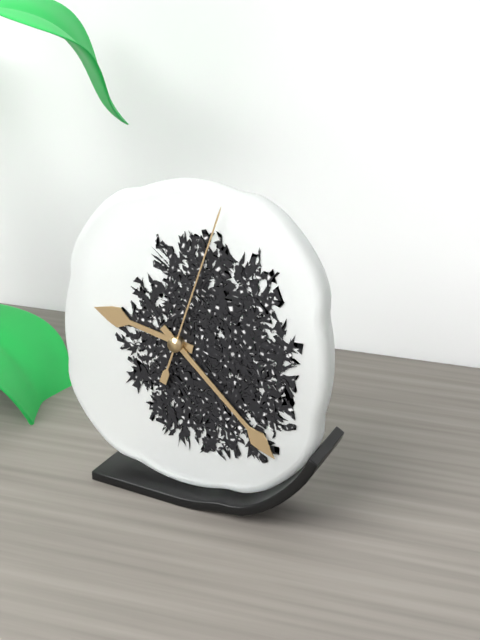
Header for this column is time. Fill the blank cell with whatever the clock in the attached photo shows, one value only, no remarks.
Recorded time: 9:22:03
